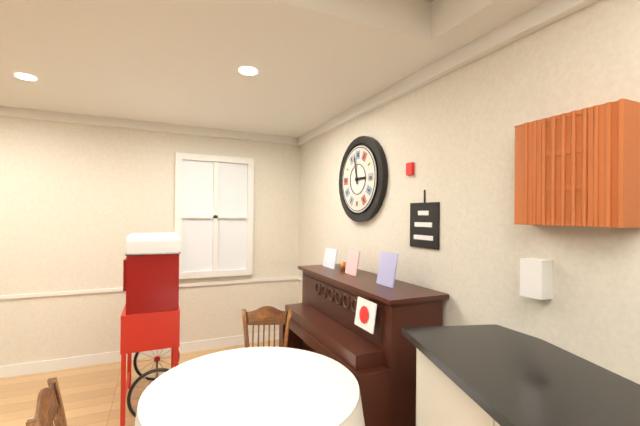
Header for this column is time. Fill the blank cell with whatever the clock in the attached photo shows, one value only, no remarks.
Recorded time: 2:58
